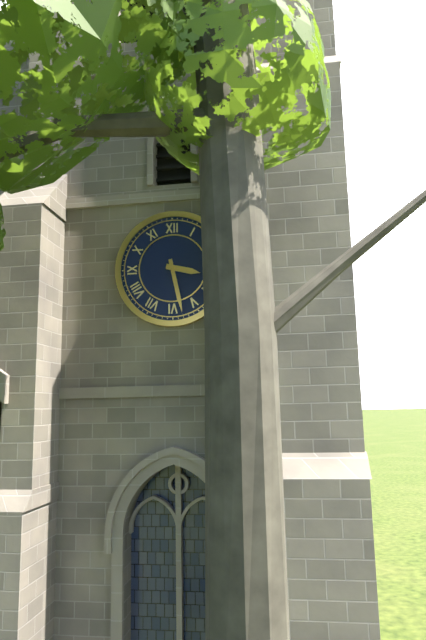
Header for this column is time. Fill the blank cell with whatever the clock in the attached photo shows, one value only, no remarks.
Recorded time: 3:28
